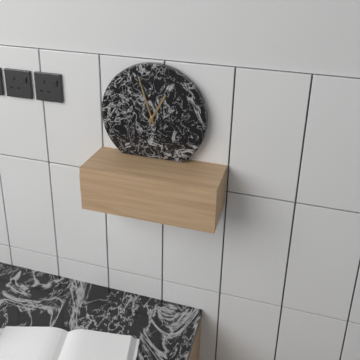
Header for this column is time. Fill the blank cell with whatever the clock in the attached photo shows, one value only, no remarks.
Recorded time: 12:57
